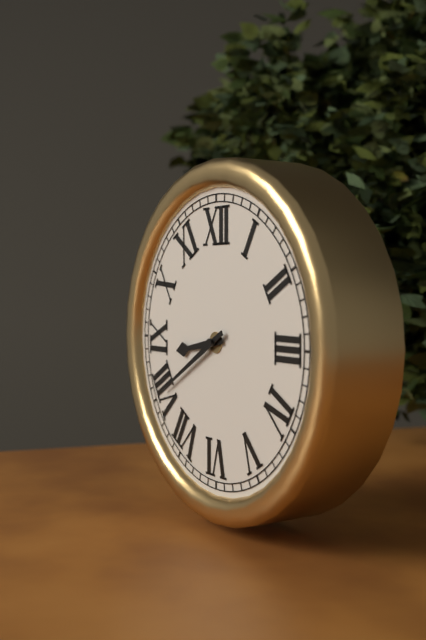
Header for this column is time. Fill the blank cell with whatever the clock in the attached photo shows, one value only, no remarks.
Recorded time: 8:40
